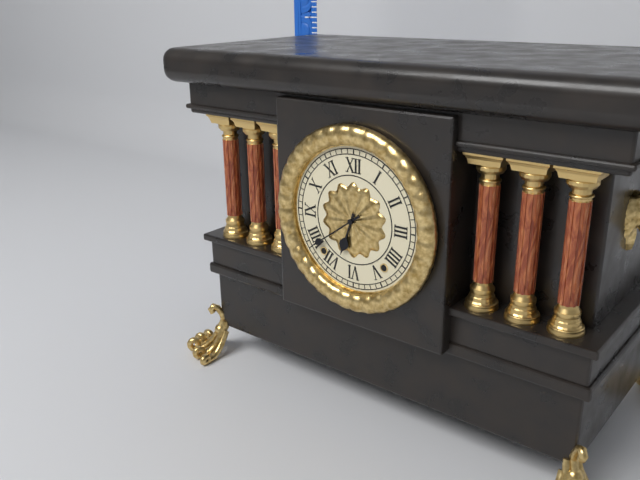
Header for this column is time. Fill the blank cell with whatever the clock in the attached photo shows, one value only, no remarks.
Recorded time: 6:39
